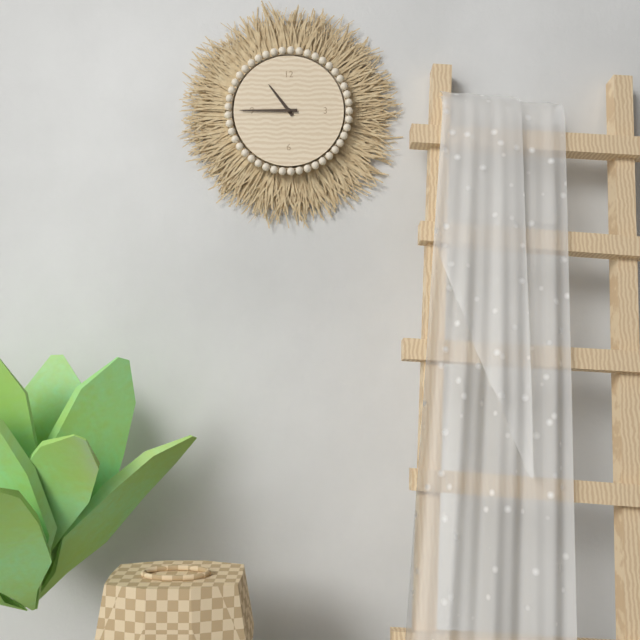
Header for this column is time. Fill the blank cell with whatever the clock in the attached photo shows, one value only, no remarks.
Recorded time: 10:45
